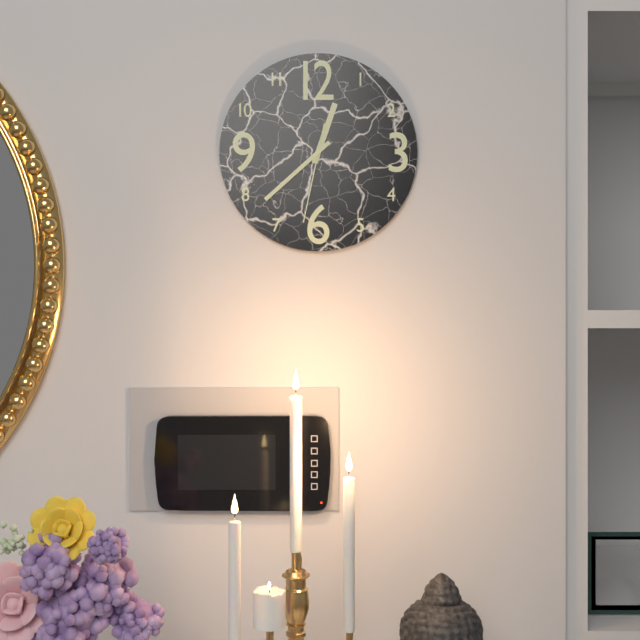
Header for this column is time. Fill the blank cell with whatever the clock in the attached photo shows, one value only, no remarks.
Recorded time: 12:38:32
